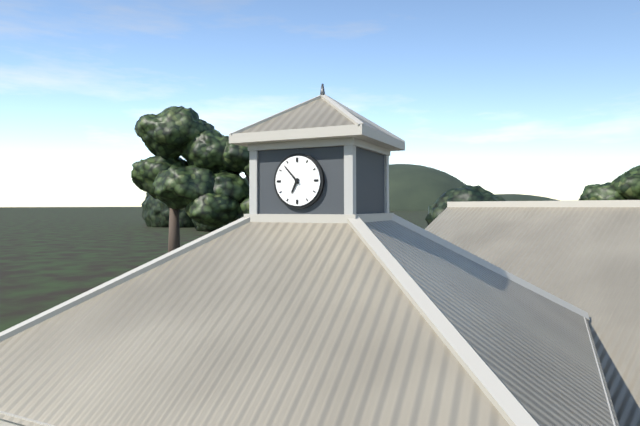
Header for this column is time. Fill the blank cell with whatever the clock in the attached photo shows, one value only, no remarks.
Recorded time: 6:53
